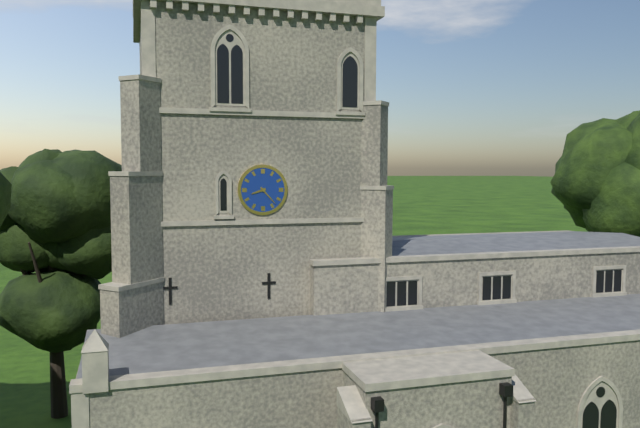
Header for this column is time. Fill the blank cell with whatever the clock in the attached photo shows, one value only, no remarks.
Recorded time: 8:23
